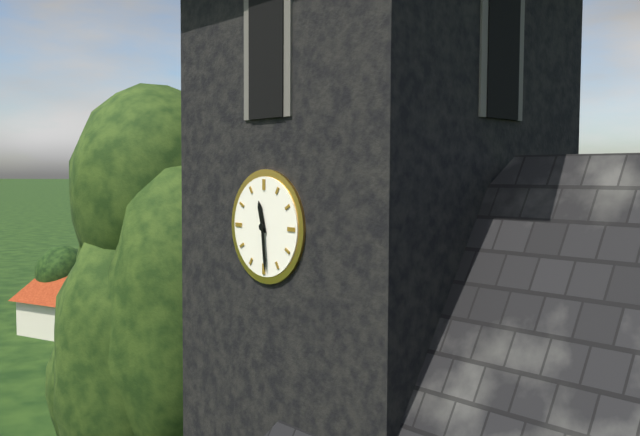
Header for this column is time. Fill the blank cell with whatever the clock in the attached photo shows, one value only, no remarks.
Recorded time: 11:29
